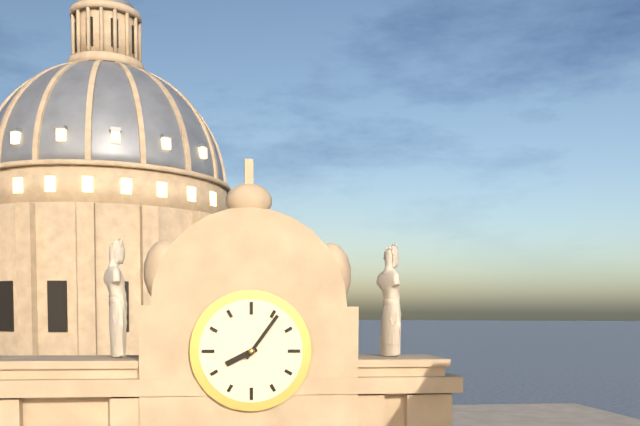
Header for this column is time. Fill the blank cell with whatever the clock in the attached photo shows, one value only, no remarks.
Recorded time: 8:06
